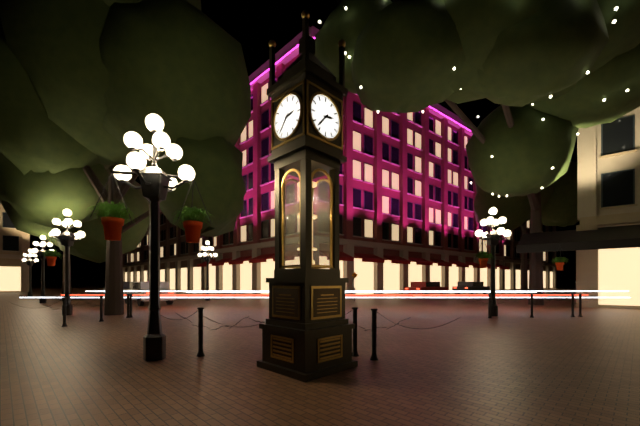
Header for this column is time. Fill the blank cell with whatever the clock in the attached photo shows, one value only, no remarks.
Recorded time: 2:37
